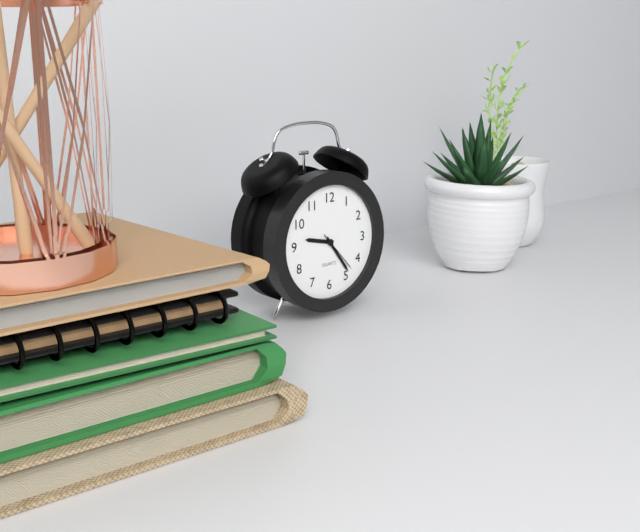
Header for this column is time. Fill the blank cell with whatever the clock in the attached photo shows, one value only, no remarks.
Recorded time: 9:24
